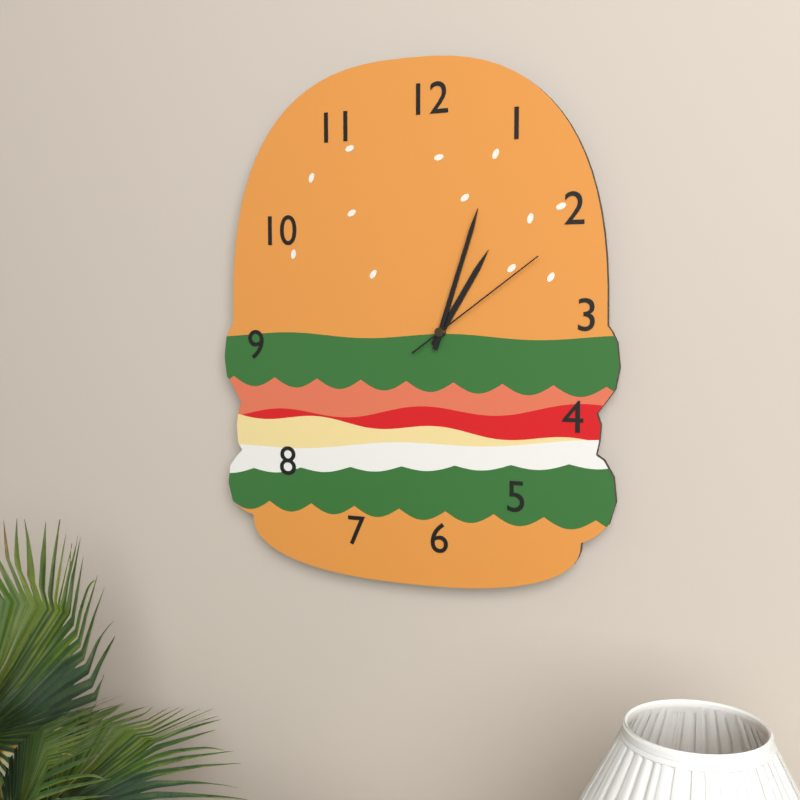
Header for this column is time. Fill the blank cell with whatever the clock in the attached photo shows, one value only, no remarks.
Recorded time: 1:03:09
